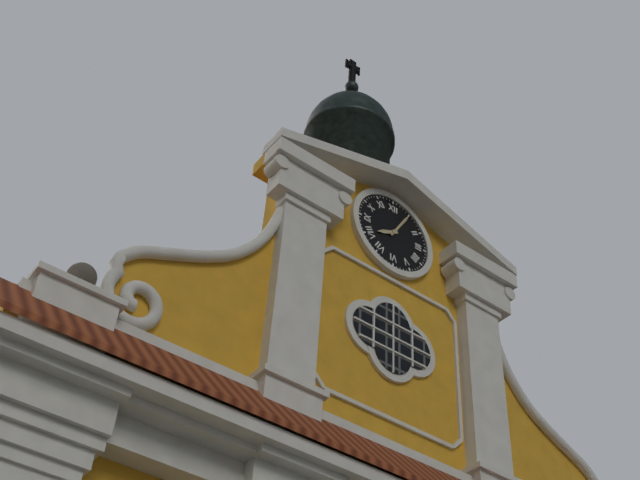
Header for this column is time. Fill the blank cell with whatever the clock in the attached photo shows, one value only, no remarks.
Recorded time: 8:05
